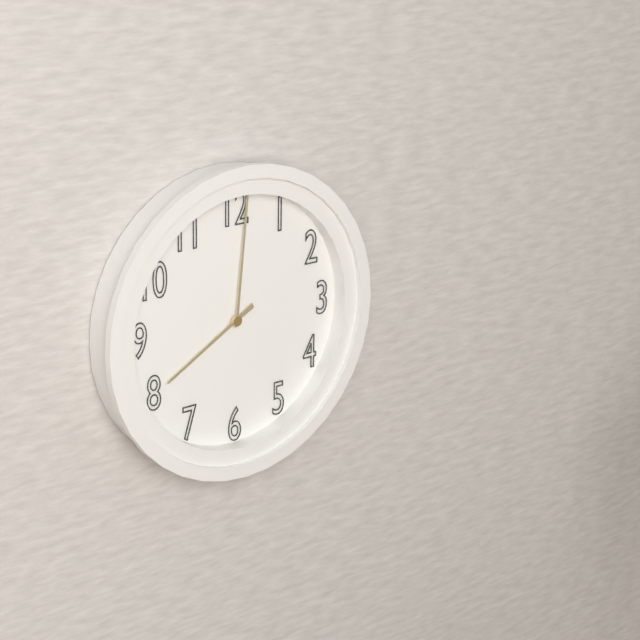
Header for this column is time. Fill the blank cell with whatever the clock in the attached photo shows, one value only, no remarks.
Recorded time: 8:01
